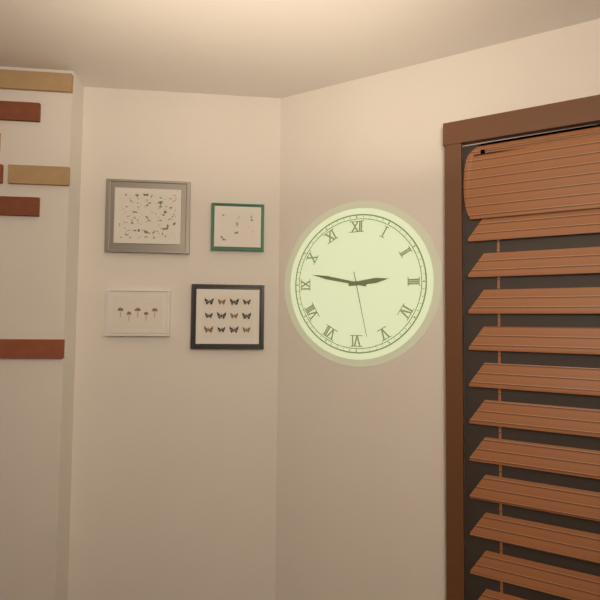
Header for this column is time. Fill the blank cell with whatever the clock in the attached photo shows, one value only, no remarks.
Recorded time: 2:47:28
